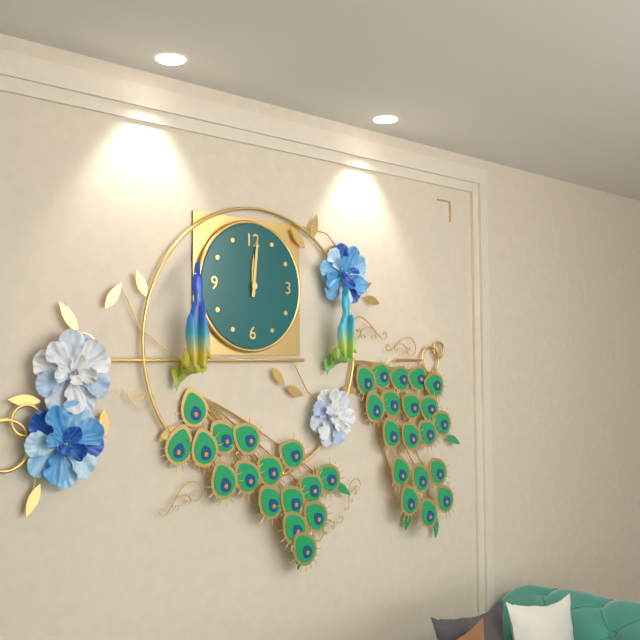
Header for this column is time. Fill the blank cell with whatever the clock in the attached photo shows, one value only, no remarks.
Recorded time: 12:01
